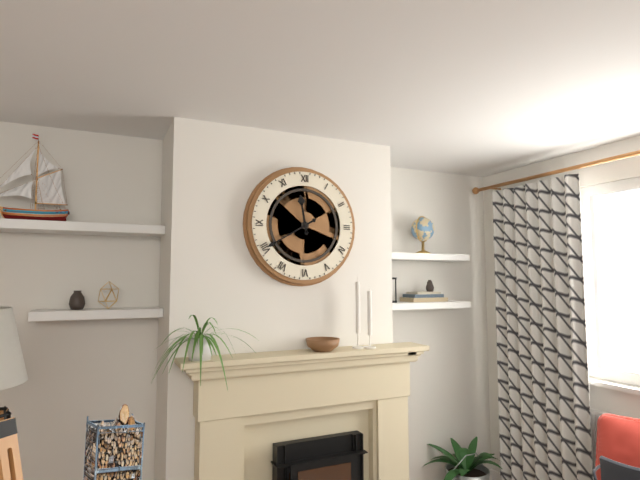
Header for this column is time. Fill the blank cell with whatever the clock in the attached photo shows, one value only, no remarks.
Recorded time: 11:40
